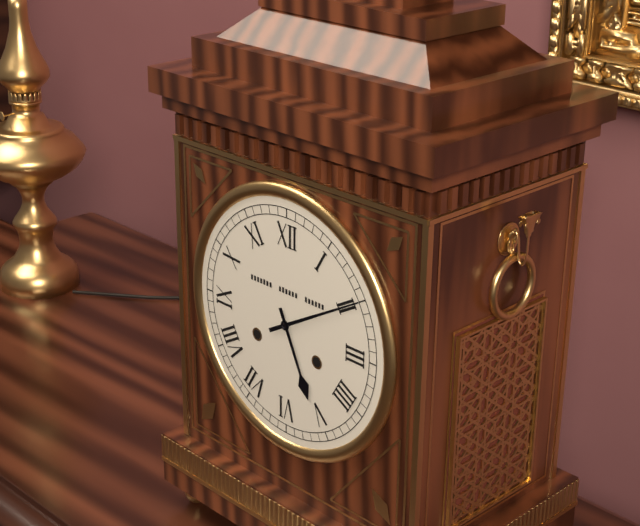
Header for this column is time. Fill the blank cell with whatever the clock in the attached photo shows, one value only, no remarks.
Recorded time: 5:10
